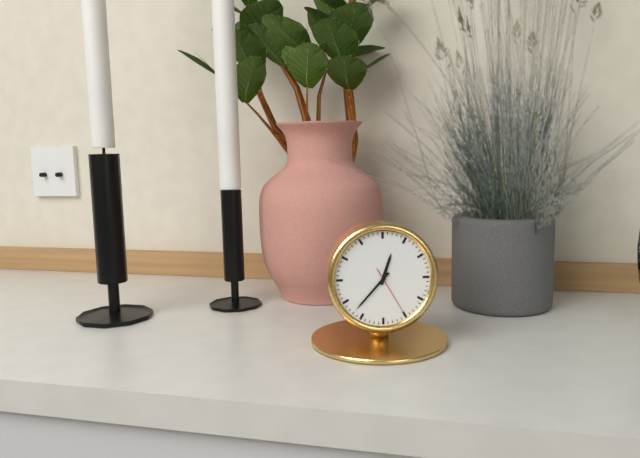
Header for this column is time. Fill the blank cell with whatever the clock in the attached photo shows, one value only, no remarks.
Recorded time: 12:37:25
